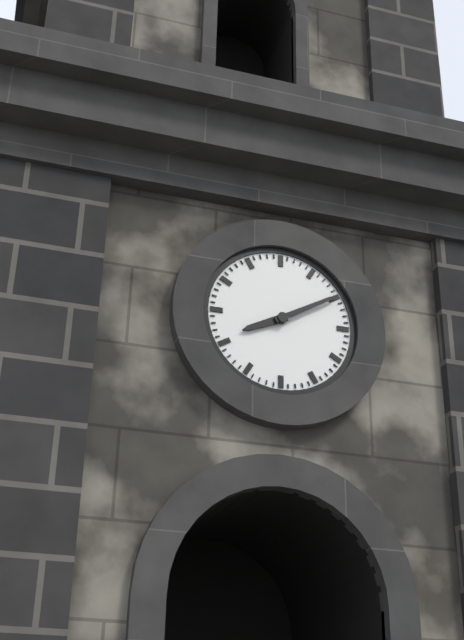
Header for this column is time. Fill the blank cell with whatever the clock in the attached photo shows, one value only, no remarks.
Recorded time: 8:10
